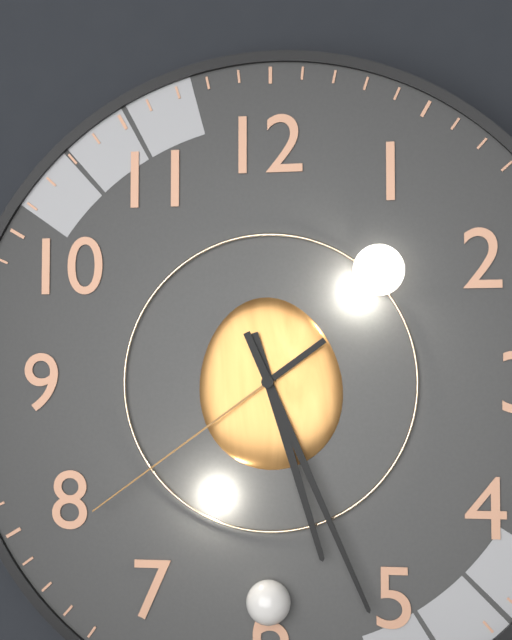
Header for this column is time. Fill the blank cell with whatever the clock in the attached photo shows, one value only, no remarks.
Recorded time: 5:26:39
